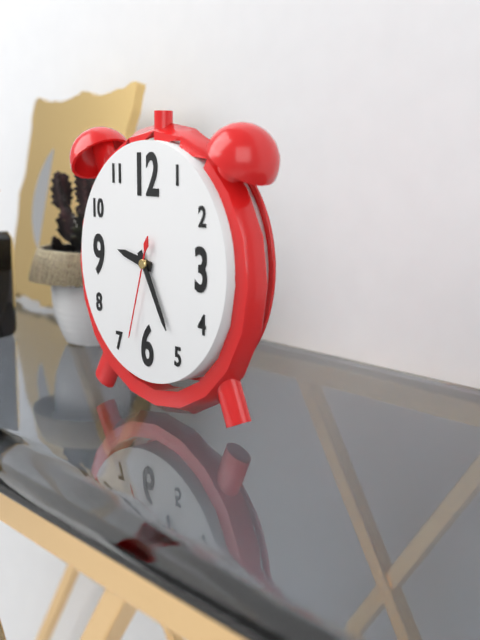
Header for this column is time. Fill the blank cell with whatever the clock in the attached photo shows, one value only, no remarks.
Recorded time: 9:25:33
